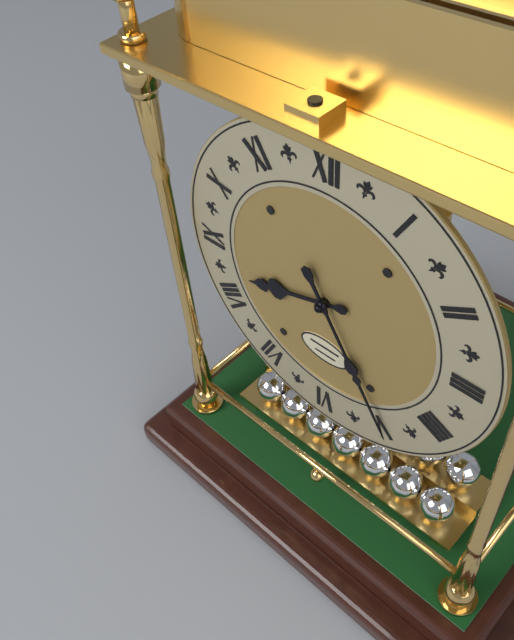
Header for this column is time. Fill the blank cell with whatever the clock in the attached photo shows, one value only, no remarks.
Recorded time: 8:25
